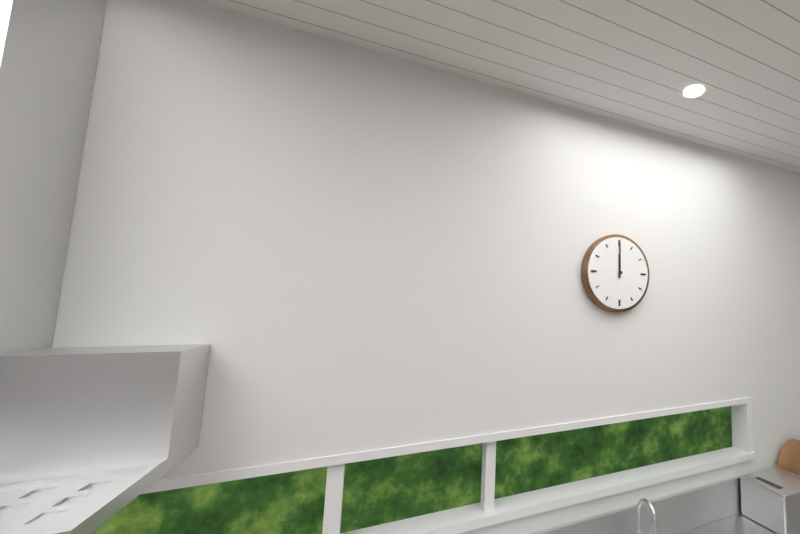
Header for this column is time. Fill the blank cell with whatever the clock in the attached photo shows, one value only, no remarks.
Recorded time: 12:00
